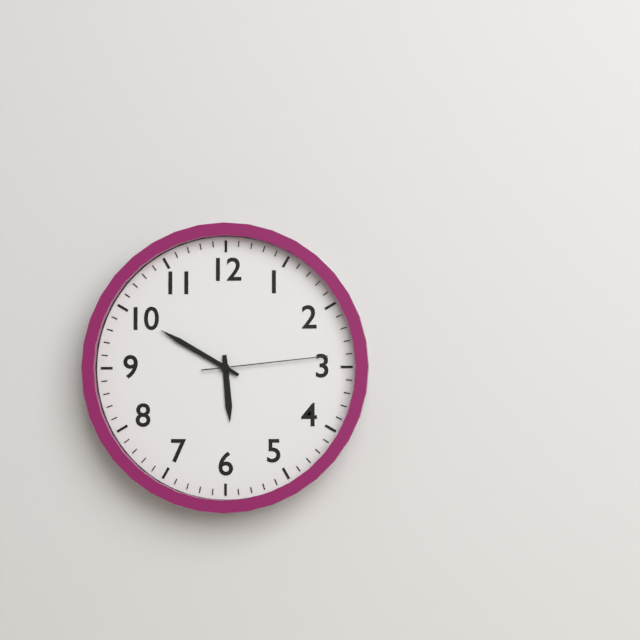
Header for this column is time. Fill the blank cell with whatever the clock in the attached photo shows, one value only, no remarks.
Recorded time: 5:50:14
